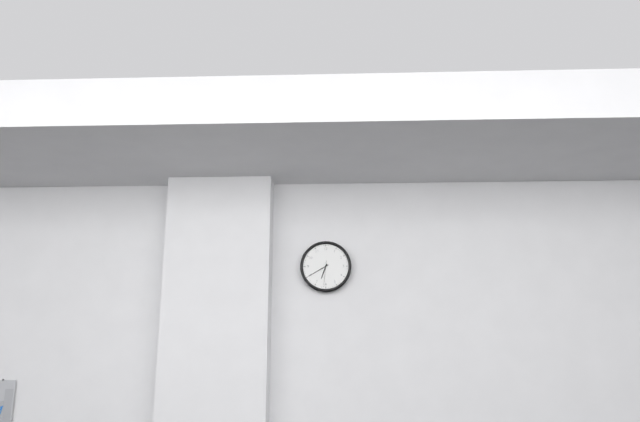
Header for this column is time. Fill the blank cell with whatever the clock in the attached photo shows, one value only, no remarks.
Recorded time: 6:40
